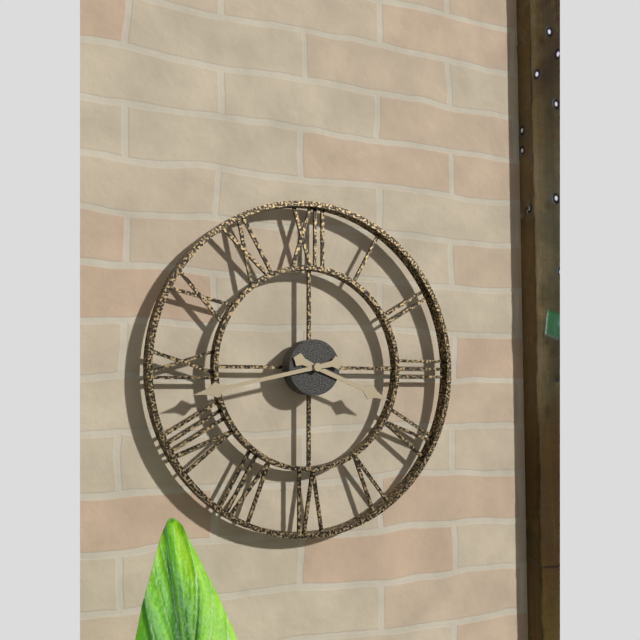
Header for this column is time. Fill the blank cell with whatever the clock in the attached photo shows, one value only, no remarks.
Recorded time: 3:43
